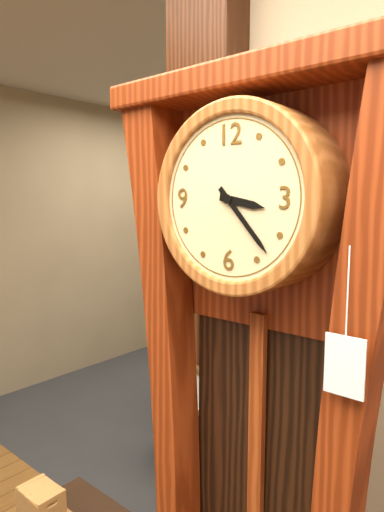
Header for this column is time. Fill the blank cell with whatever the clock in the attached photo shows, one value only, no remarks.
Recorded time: 3:23
